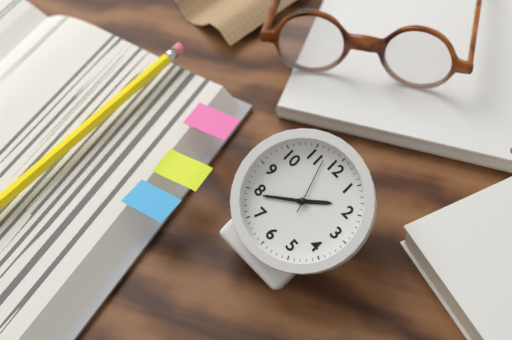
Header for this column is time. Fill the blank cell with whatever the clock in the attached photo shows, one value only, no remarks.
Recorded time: 1:39:57
